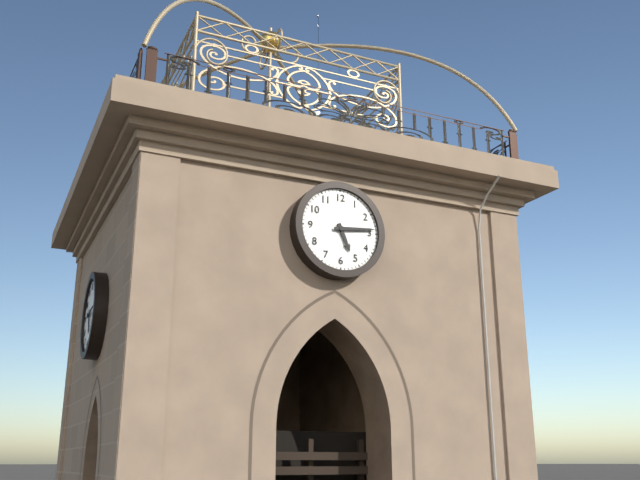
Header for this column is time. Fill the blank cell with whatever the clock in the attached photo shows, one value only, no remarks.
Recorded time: 5:14
